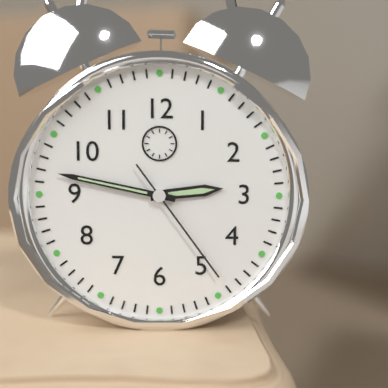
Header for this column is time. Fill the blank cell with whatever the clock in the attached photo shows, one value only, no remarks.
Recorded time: 2:47:24
